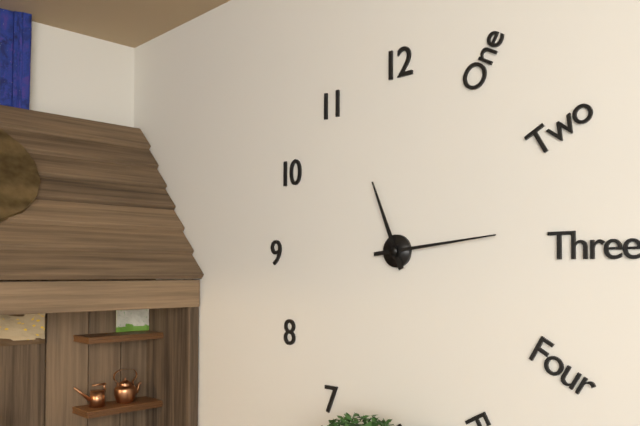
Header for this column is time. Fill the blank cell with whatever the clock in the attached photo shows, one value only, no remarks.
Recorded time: 11:14
